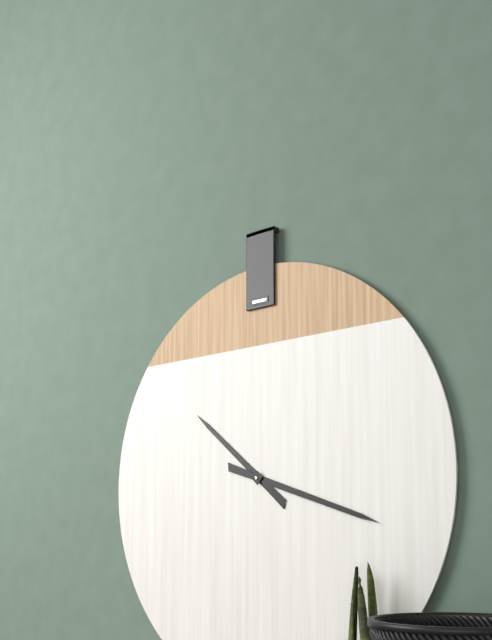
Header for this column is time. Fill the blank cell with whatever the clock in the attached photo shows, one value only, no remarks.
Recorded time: 10:18
